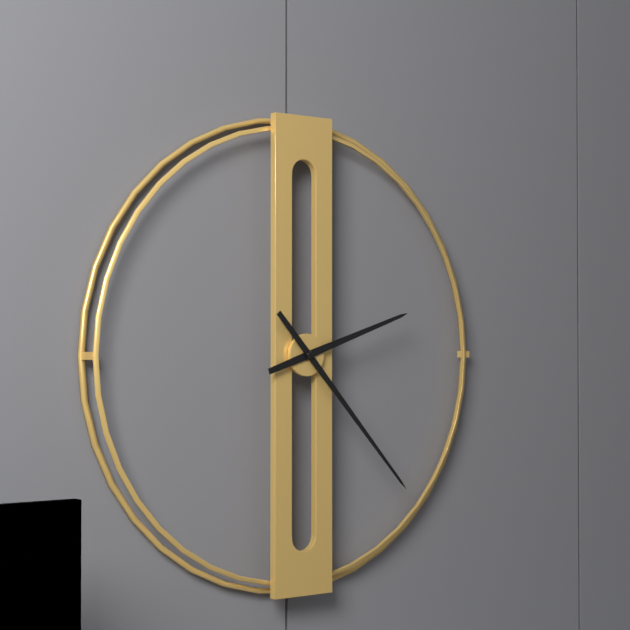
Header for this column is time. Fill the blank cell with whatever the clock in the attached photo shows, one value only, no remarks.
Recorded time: 2:23
